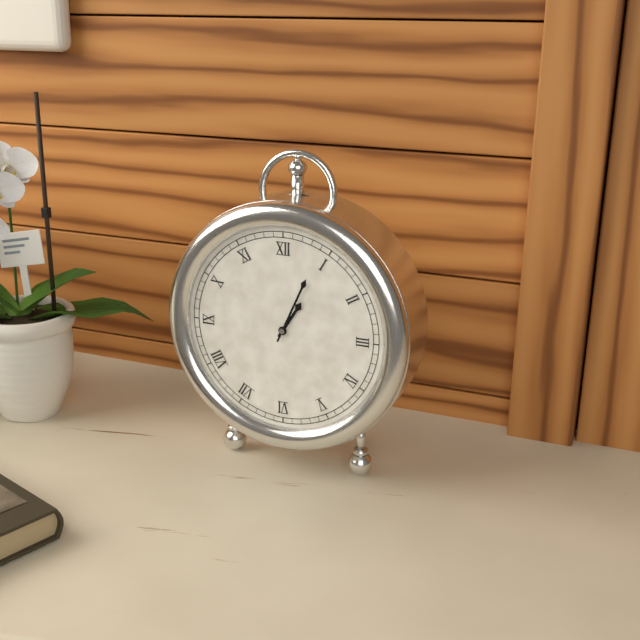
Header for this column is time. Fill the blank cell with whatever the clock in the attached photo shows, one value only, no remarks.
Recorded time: 1:04
